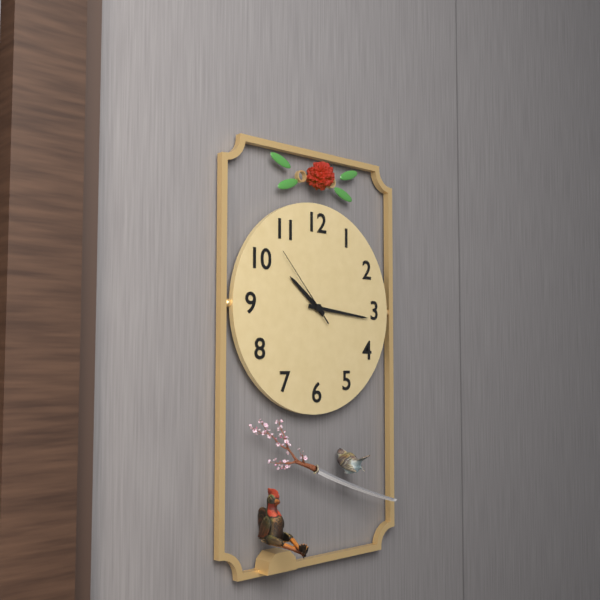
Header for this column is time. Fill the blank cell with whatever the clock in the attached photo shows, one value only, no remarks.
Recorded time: 10:16:53
